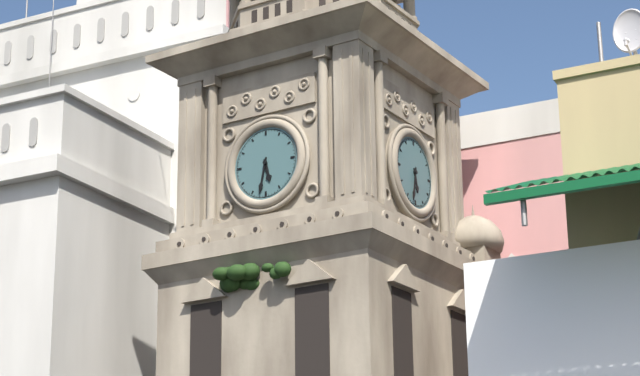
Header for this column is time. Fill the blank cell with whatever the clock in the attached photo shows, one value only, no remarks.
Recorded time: 5:32
